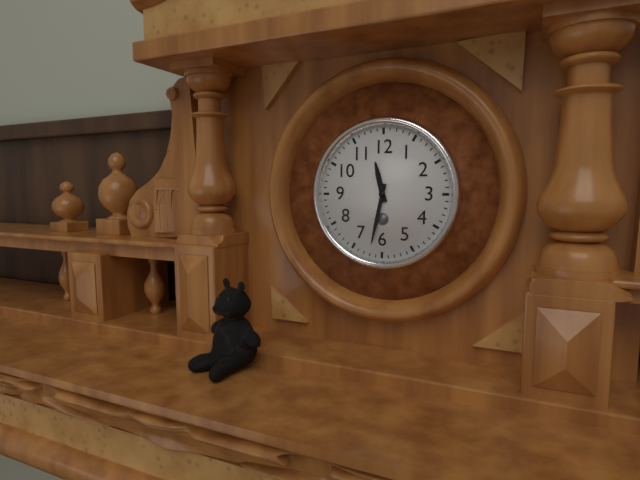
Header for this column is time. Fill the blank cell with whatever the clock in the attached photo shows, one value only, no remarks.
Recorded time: 11:32
